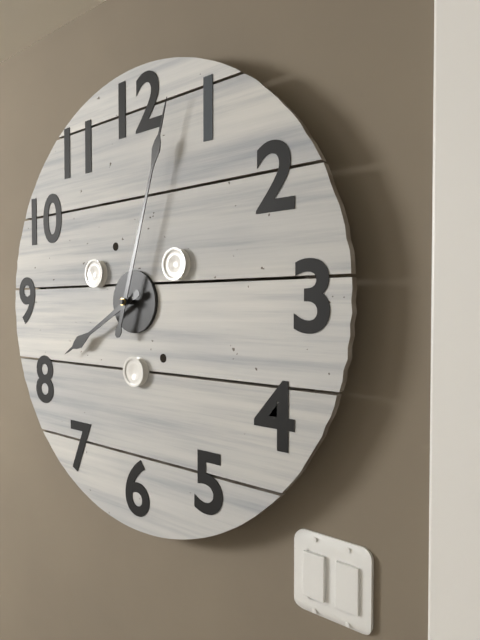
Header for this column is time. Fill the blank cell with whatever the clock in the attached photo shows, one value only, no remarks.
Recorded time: 8:03
